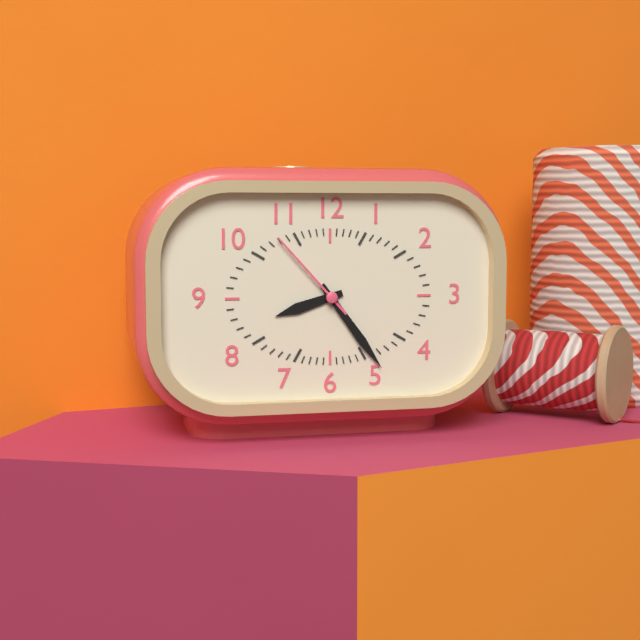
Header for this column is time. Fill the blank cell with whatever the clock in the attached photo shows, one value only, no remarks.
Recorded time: 8:24:53
